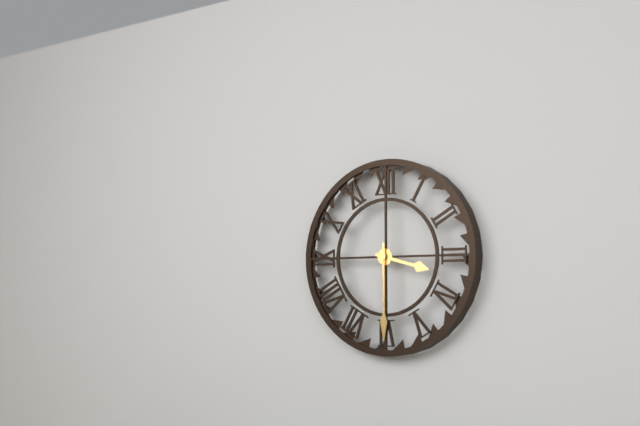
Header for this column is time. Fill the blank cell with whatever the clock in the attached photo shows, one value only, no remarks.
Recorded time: 3:30
